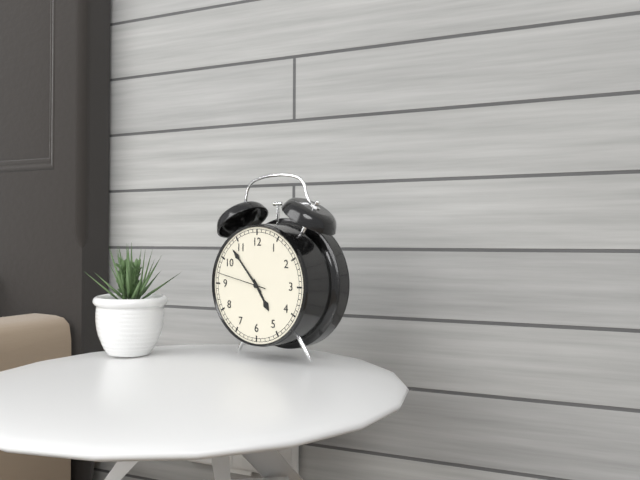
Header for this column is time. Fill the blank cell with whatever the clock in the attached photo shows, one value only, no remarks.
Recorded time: 4:53:47
